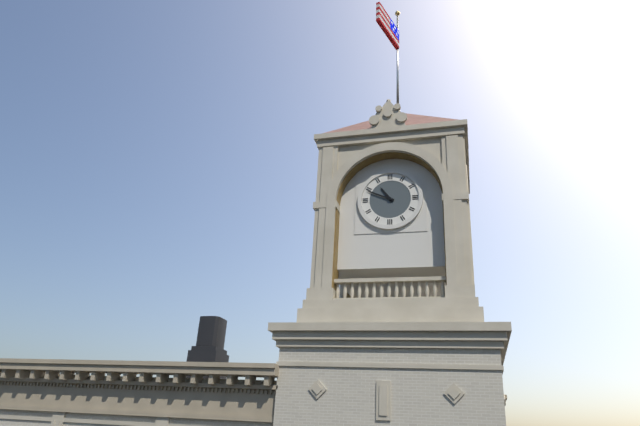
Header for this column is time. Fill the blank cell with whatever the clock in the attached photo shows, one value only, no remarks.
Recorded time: 10:49
